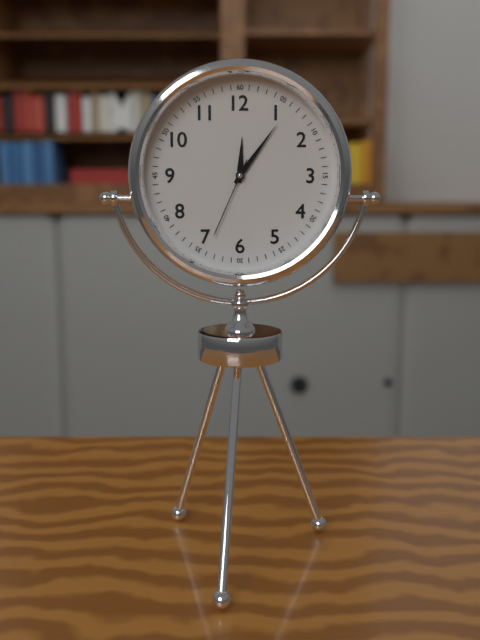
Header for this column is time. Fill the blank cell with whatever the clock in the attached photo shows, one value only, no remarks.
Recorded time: 12:06:34
